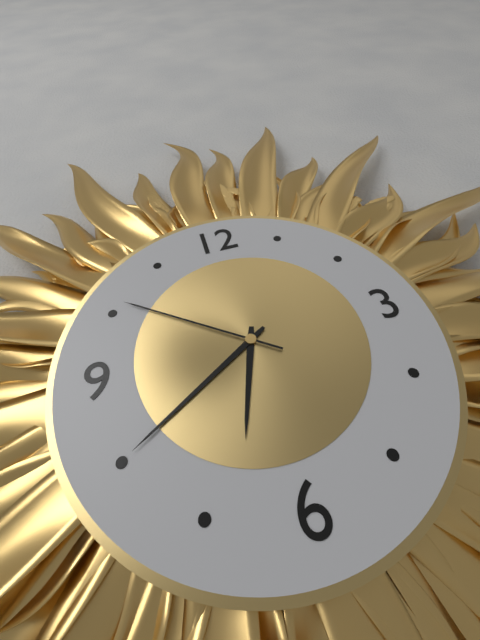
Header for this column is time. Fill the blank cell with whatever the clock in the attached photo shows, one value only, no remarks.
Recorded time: 6:40:51
